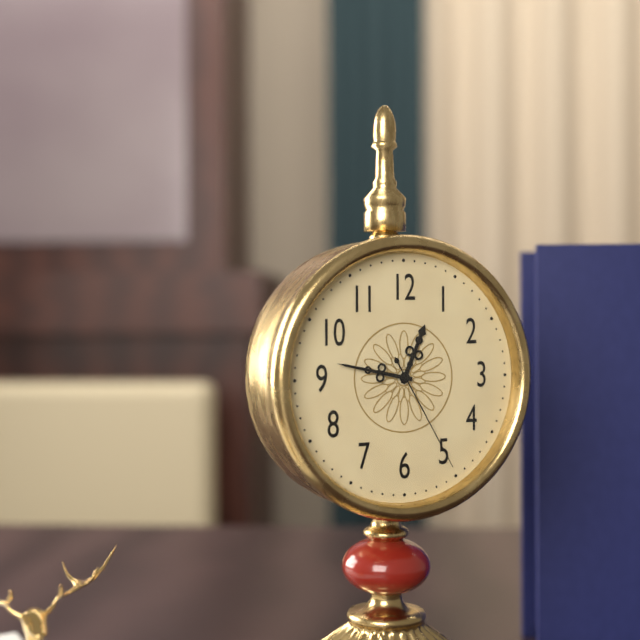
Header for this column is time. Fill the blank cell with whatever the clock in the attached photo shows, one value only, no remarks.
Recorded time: 12:47:25
